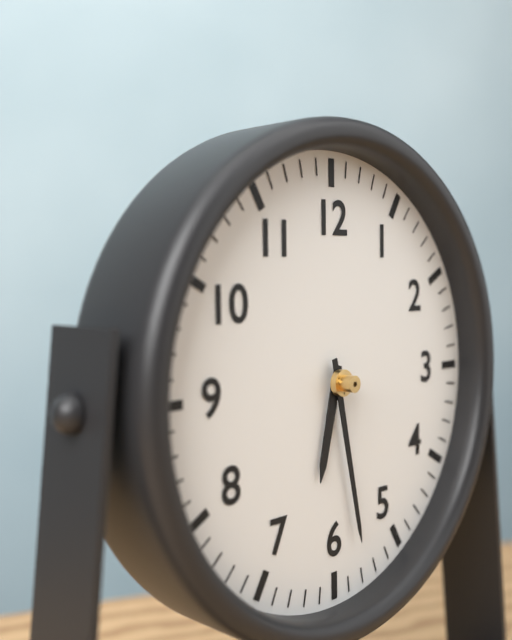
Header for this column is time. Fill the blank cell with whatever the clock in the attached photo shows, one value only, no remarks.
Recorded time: 6:28
